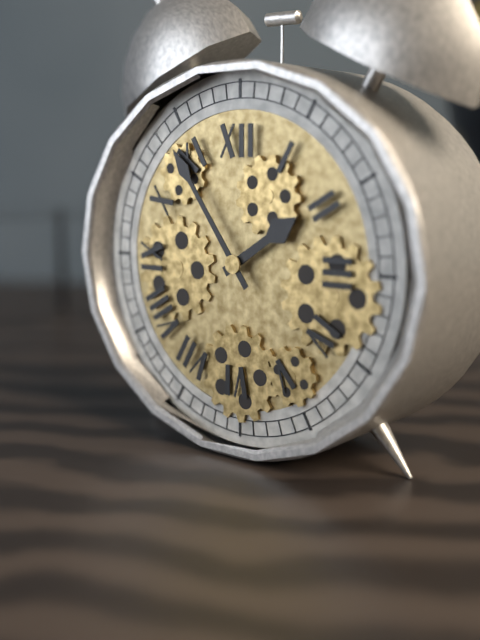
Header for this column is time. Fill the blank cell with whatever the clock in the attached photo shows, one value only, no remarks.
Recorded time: 1:54
